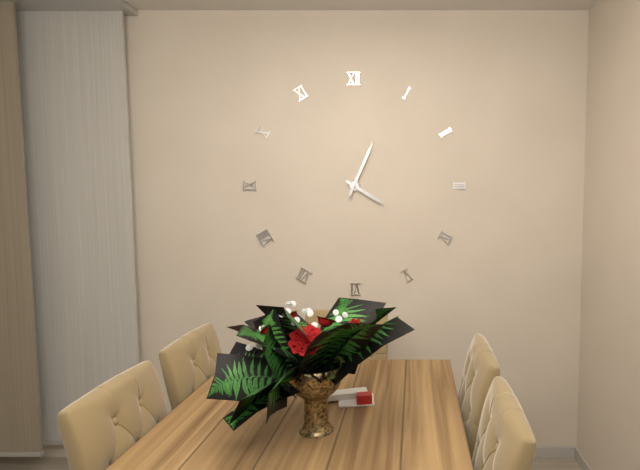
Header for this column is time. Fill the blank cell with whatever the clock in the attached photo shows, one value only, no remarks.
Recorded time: 4:04
